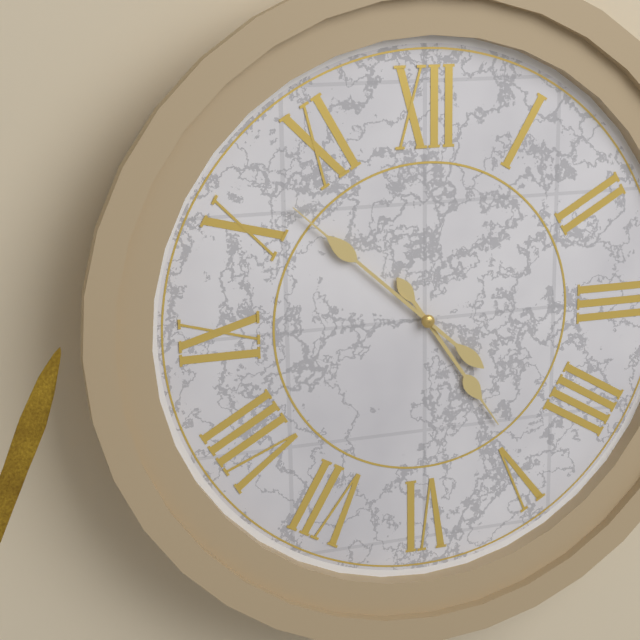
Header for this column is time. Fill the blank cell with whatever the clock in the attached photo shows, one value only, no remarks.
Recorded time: 4:52
